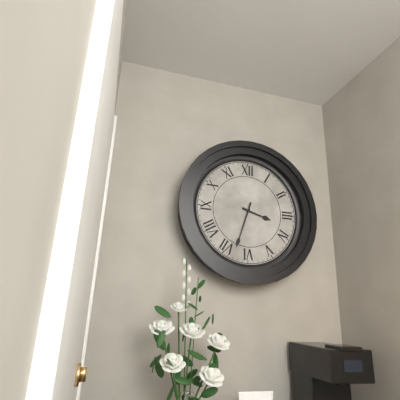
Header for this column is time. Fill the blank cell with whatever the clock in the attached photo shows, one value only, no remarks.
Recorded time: 3:33
